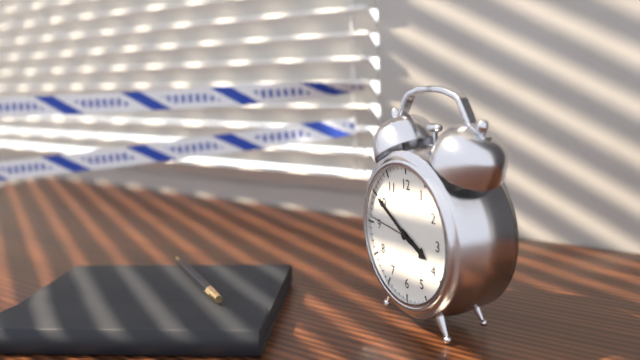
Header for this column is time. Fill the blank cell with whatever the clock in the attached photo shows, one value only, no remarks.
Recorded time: 3:50
